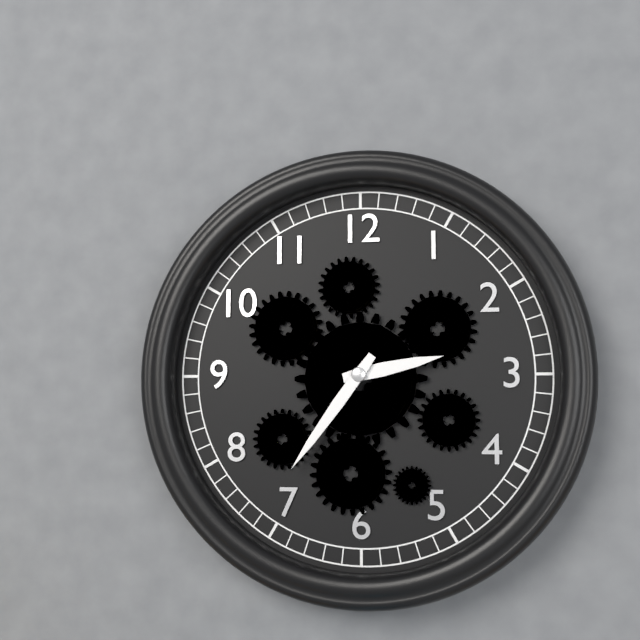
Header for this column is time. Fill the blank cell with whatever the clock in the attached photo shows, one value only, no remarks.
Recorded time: 2:36
